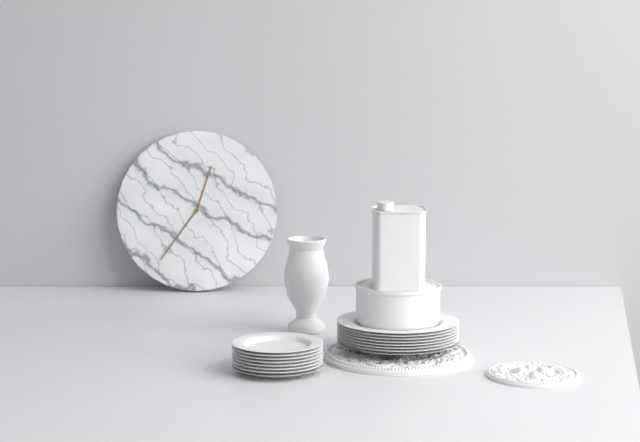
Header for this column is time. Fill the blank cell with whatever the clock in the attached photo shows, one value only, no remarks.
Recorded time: 12:36
